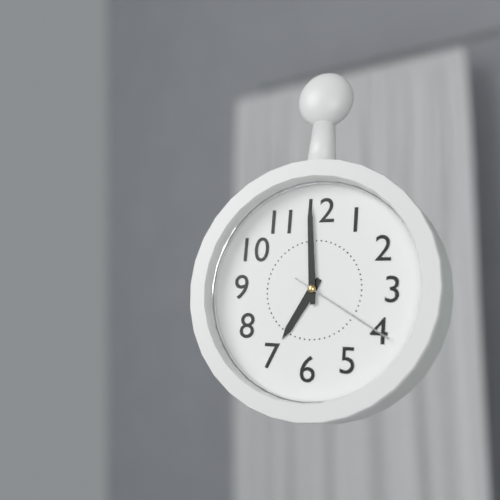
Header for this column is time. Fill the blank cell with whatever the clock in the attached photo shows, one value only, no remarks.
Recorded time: 6:59:20
